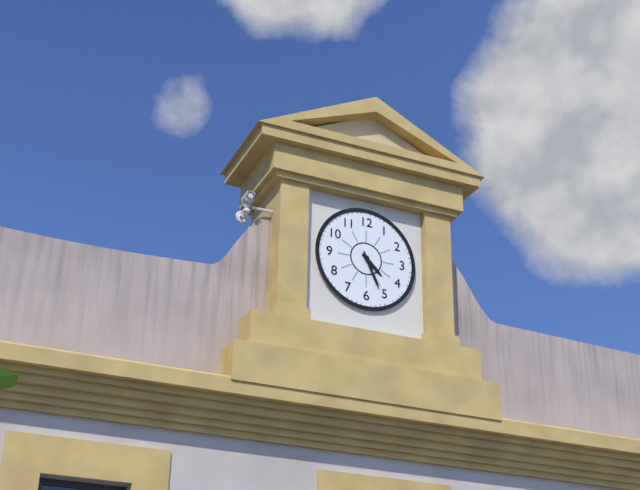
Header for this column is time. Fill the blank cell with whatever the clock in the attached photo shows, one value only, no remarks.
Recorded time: 4:26
